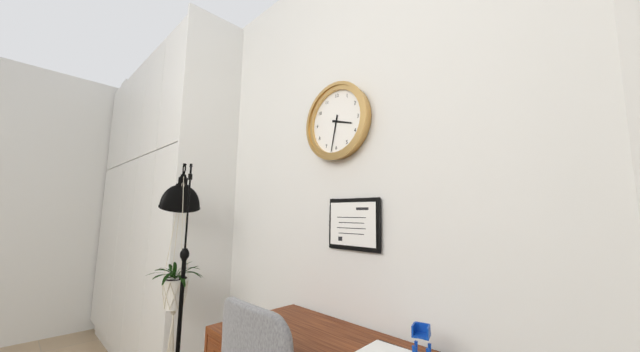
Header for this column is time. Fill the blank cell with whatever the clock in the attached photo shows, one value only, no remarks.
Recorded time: 3:32
